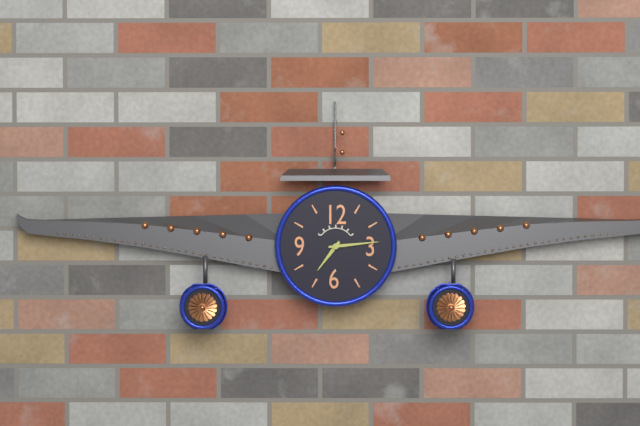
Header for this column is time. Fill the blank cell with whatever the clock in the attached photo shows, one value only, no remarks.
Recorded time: 7:14
